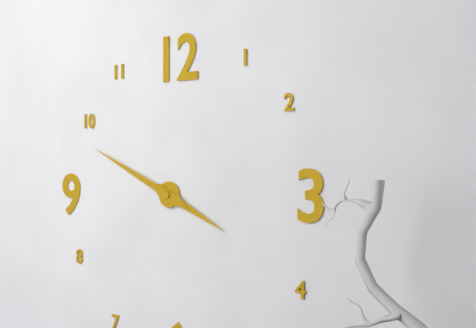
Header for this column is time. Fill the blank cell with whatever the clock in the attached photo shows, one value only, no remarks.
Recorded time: 3:49
